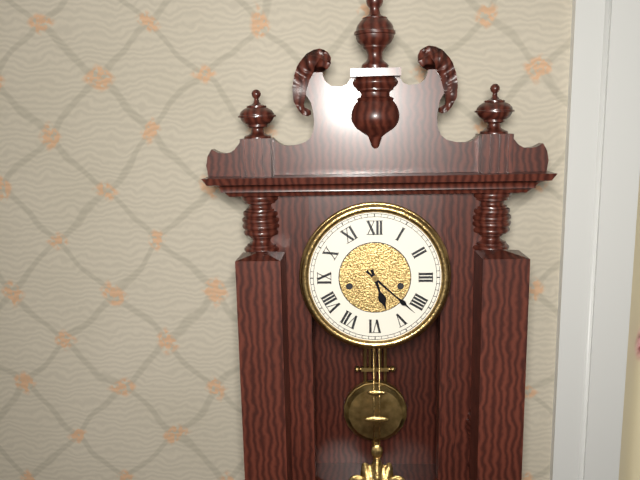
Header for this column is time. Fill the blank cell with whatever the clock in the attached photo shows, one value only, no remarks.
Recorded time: 5:22
